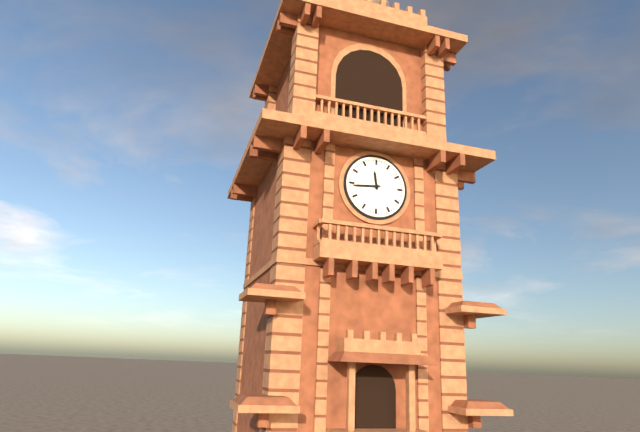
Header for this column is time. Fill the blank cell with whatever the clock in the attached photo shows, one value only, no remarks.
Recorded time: 11:44
